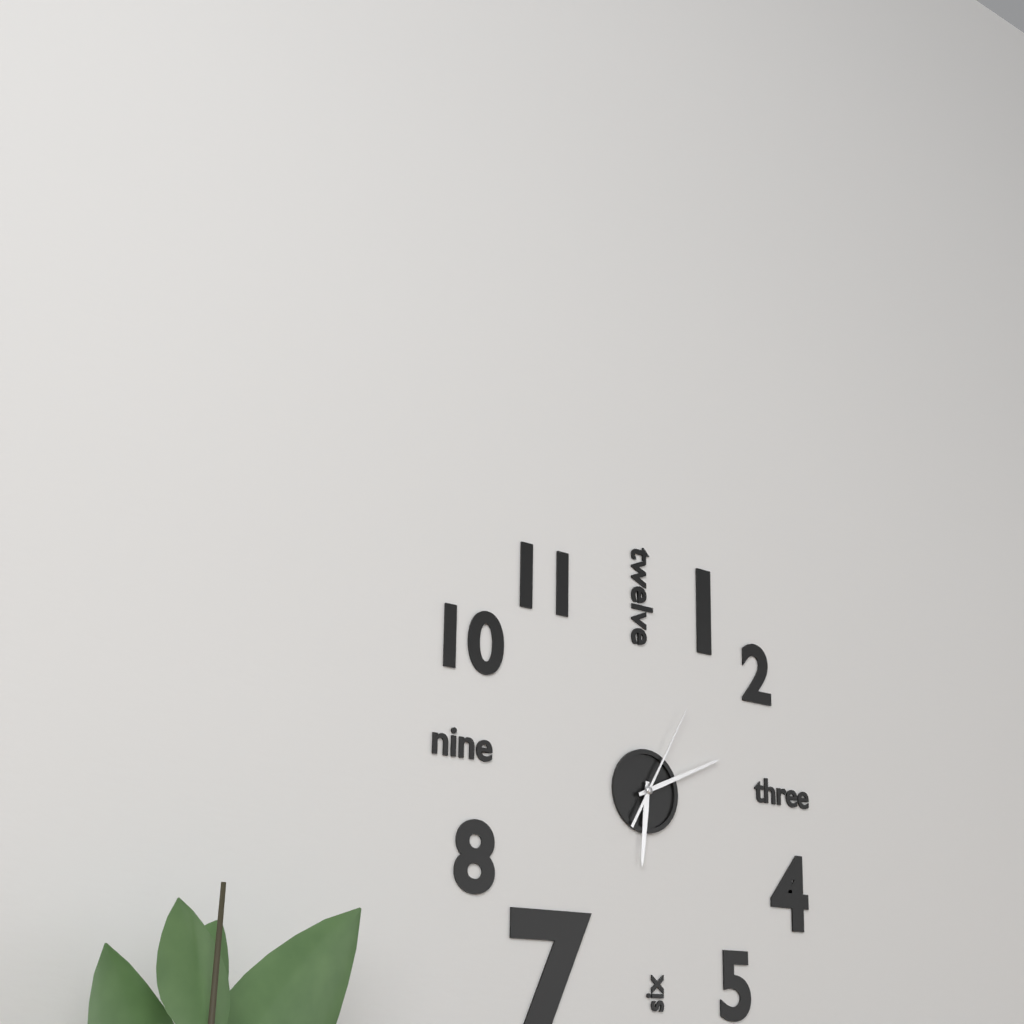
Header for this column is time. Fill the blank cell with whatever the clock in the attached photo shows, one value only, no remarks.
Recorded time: 6:11:05
